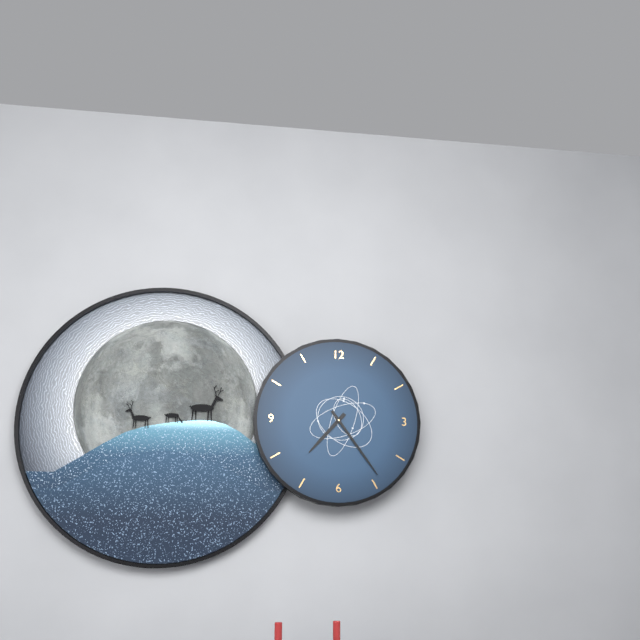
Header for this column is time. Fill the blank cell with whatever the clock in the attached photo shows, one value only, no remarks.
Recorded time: 7:24
